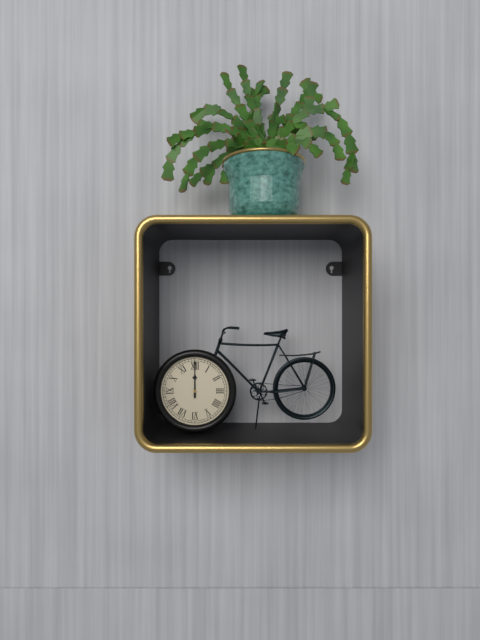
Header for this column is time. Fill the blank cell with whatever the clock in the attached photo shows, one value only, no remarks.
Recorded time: 12:00
